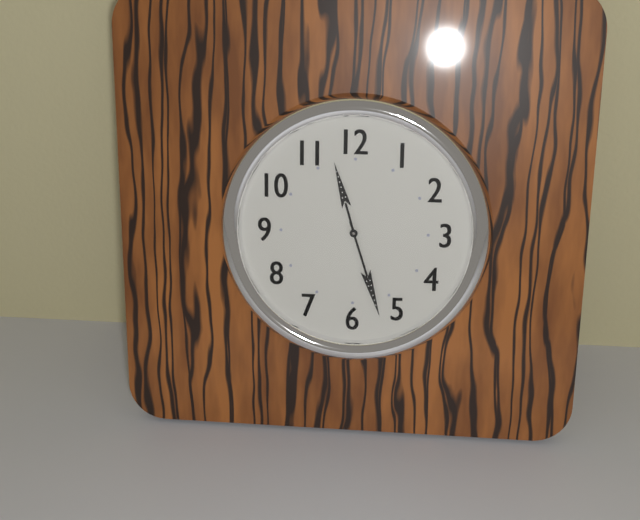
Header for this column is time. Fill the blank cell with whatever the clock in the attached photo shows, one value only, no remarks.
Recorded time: 11:27
